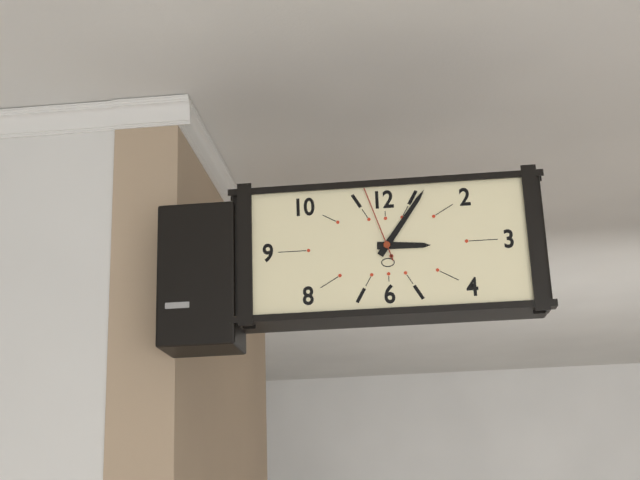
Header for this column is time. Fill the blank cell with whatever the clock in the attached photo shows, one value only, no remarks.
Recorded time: 3:06:57
